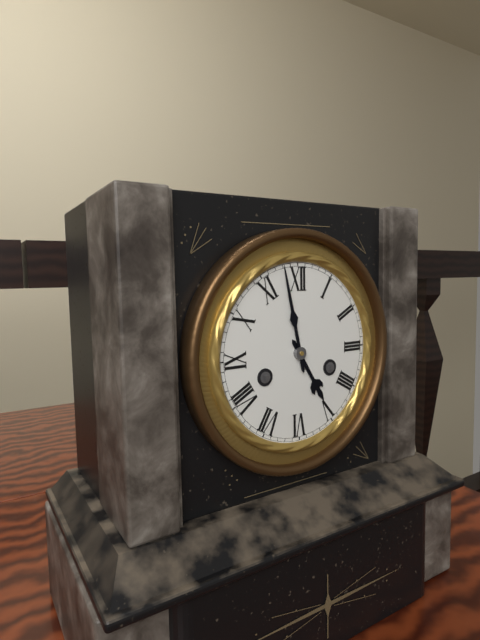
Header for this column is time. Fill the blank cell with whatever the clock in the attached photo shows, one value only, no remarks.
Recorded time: 4:58
